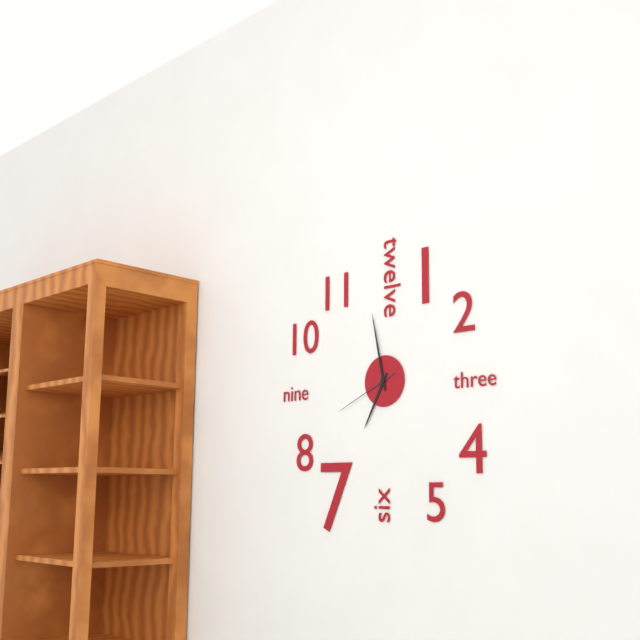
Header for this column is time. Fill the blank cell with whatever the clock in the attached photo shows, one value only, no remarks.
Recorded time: 6:58:41
